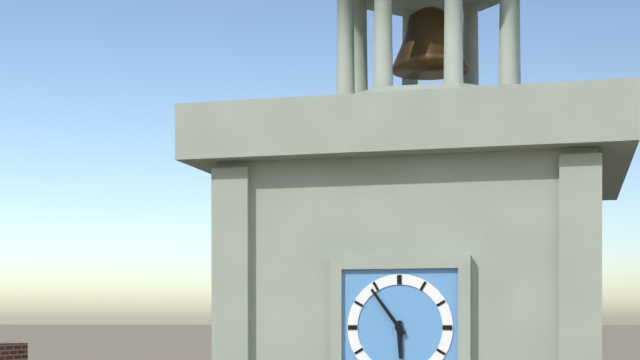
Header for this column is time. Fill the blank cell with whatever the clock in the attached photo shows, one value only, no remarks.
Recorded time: 5:54
